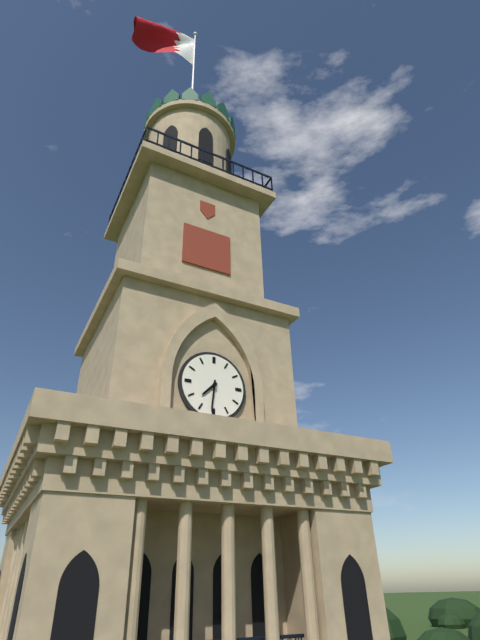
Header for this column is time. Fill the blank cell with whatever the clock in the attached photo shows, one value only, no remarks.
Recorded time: 7:31
